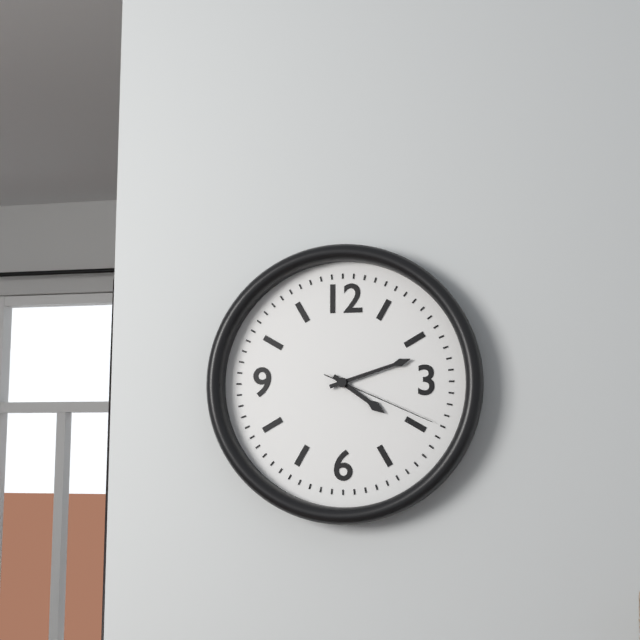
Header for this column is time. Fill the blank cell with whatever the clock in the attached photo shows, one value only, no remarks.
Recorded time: 4:12:19
